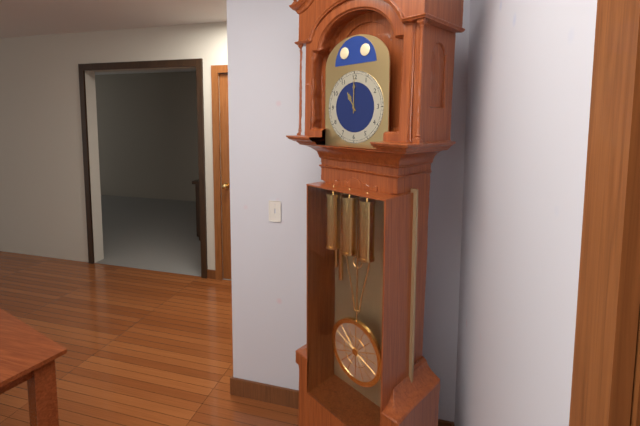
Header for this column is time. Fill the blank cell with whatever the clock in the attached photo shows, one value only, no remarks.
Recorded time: 11:00
